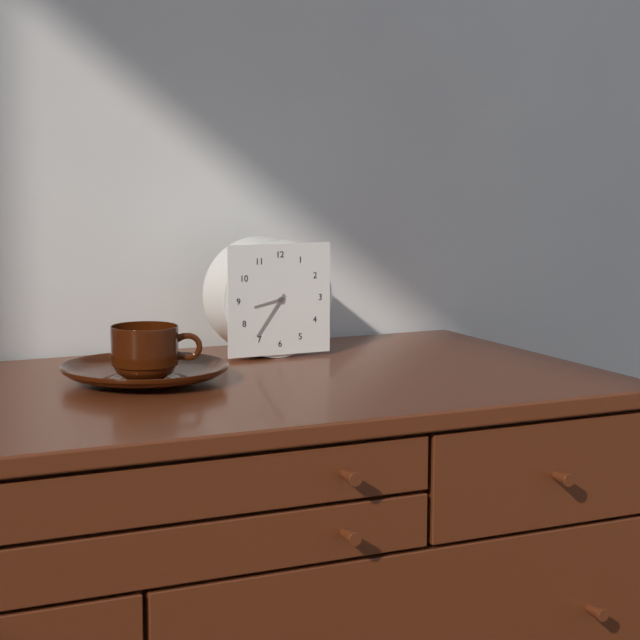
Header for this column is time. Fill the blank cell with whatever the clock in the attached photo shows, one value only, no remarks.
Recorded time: 8:36
